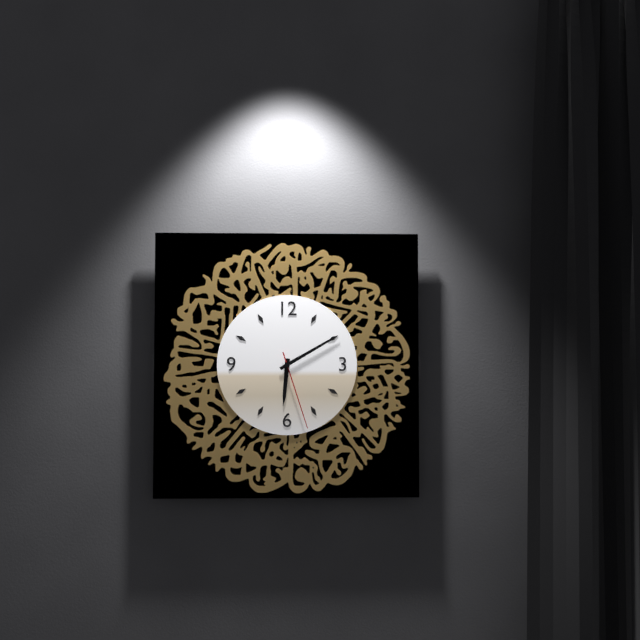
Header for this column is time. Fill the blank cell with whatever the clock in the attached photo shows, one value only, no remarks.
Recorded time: 6:10:27
